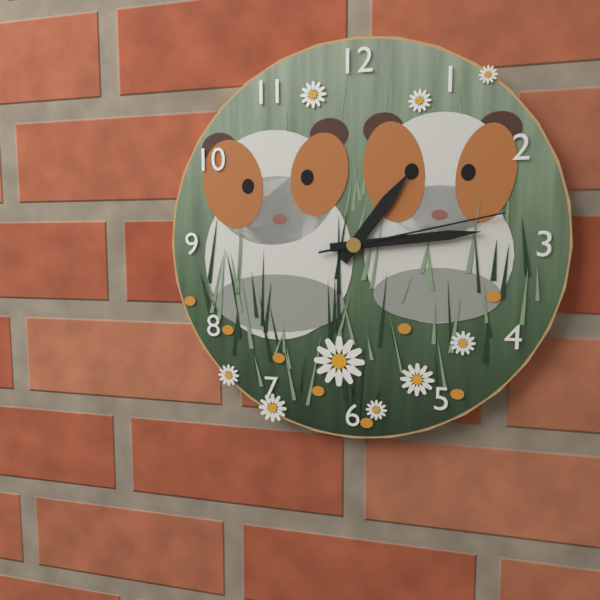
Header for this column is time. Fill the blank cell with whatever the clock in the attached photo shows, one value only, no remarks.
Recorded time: 1:14:13
